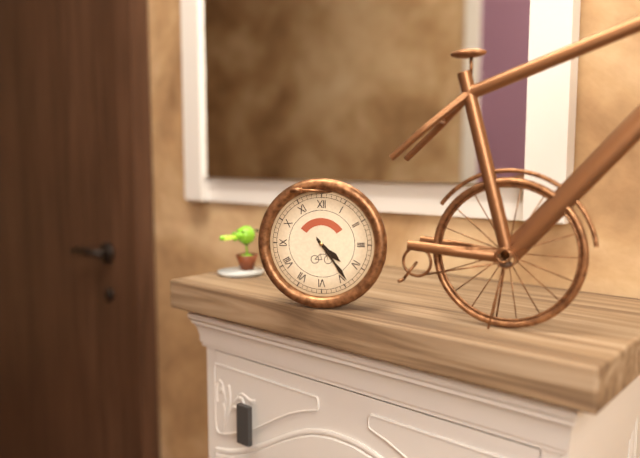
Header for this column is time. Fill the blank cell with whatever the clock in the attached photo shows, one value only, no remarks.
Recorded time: 4:24
